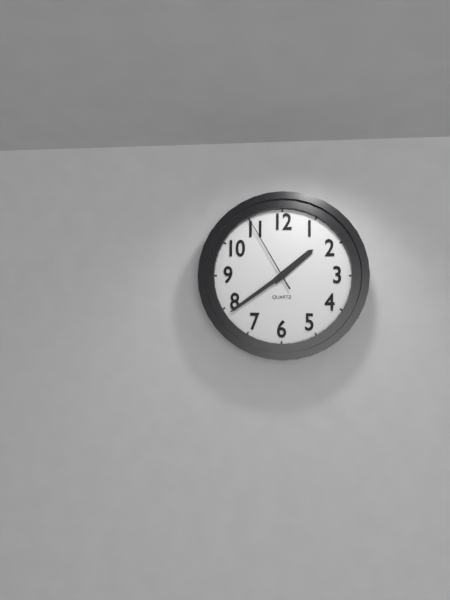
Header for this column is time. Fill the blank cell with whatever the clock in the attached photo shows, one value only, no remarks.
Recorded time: 1:39:55
